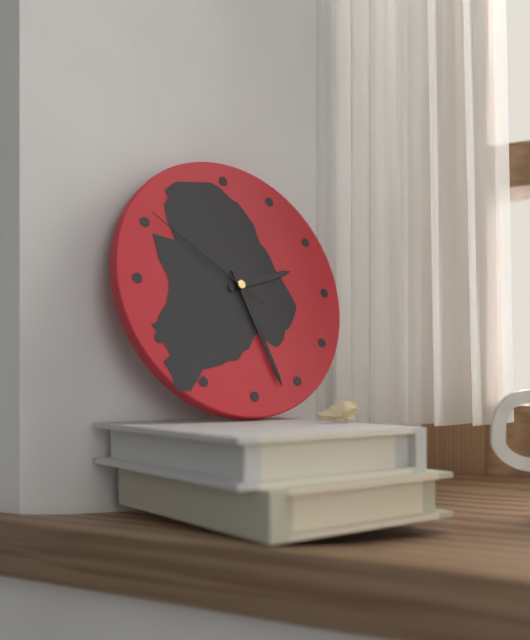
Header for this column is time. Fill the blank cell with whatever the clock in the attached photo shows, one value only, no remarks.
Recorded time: 2:27:51
